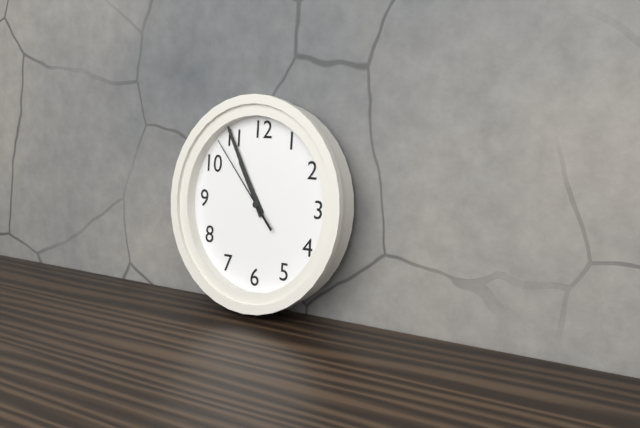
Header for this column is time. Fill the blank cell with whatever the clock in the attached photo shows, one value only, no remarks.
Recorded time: 10:55:53
